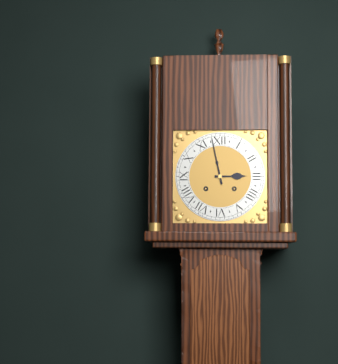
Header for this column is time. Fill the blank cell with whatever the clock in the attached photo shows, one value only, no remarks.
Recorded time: 2:58
